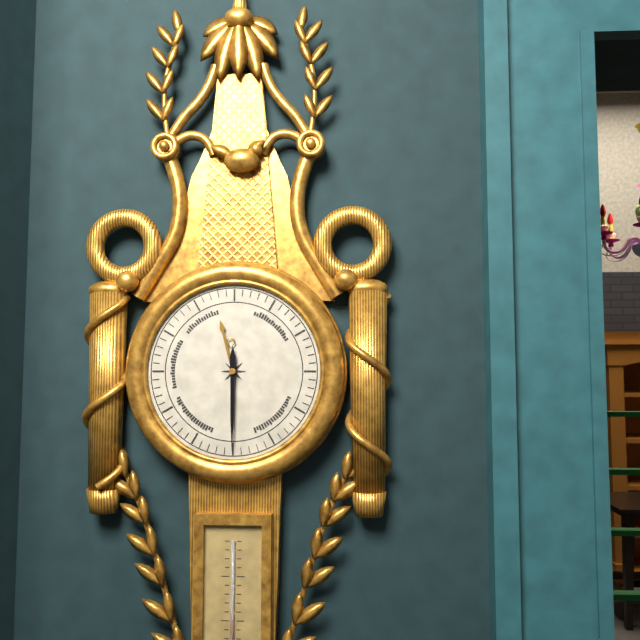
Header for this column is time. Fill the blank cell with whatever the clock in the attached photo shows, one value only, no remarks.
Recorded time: 11:30
